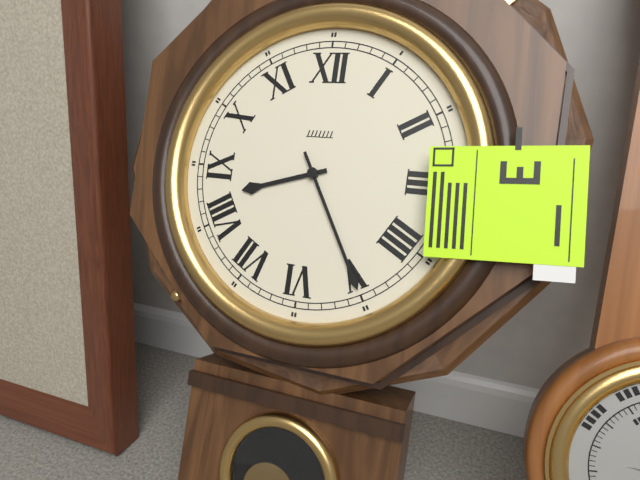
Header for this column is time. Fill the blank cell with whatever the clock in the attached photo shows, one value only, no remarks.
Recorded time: 8:25
